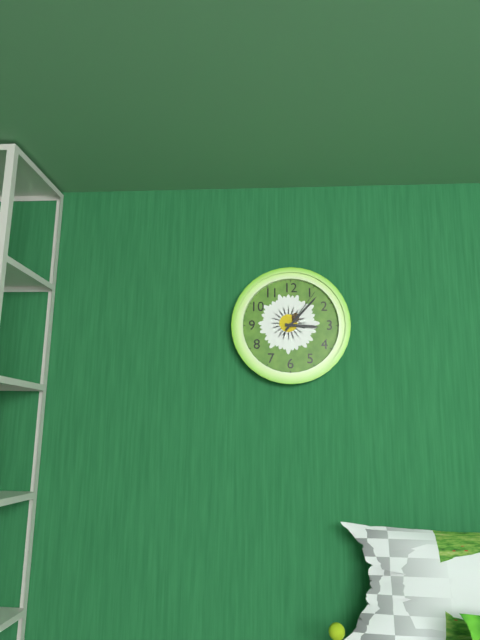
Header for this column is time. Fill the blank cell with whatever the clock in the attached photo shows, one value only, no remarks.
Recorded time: 3:07:06
